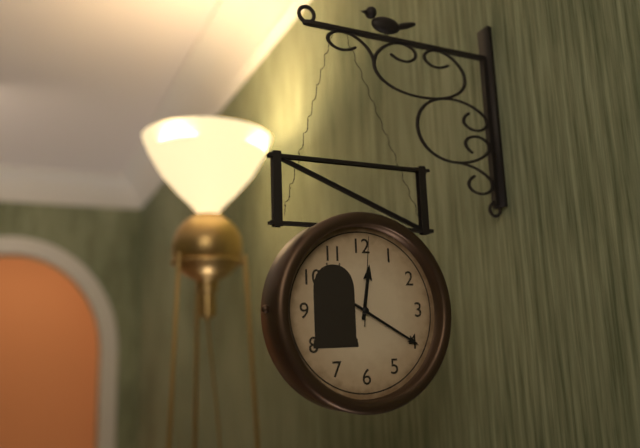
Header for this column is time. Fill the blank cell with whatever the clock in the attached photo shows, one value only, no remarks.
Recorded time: 12:20:01
